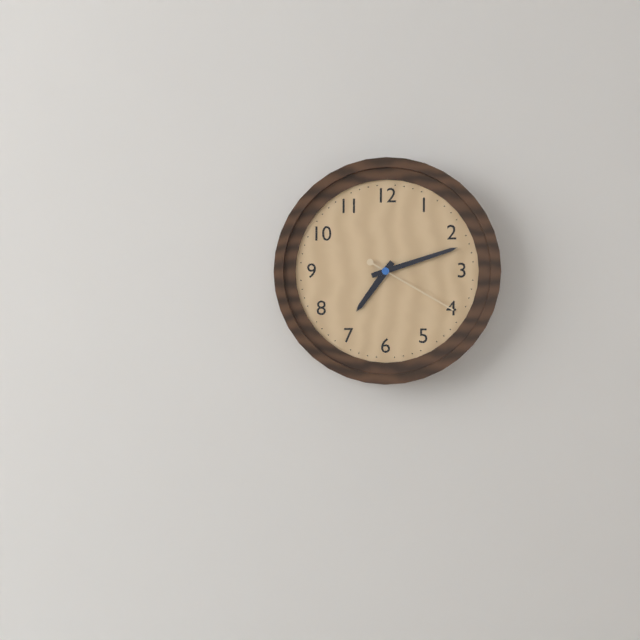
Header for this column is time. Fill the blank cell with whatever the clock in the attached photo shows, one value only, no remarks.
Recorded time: 7:12:20
